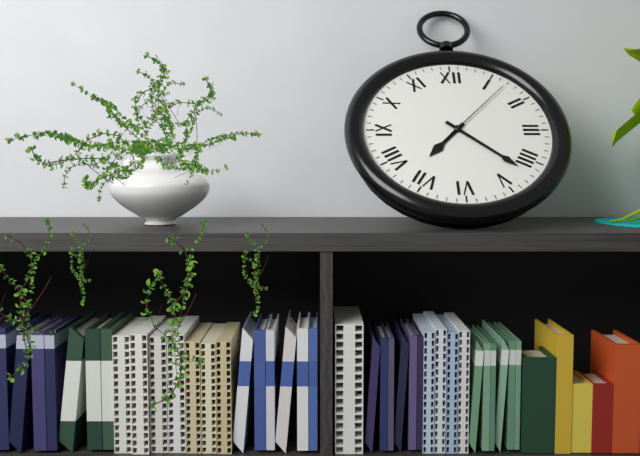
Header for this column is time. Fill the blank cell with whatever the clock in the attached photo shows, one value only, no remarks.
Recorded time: 7:22:07
